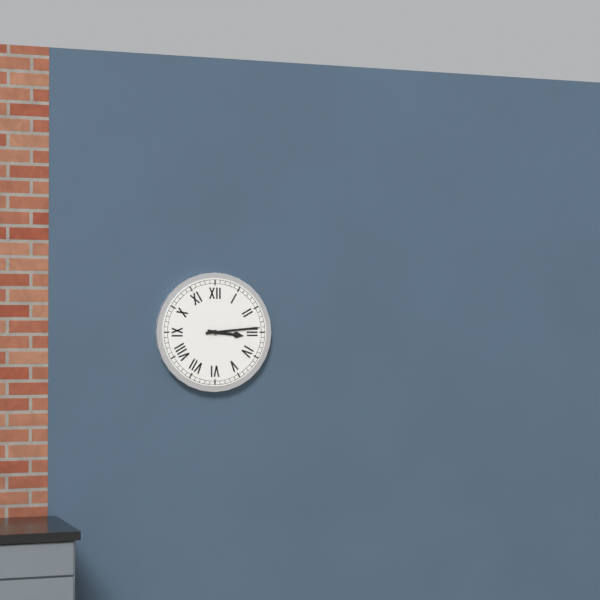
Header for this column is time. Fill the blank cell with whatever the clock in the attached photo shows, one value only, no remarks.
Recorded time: 3:14
